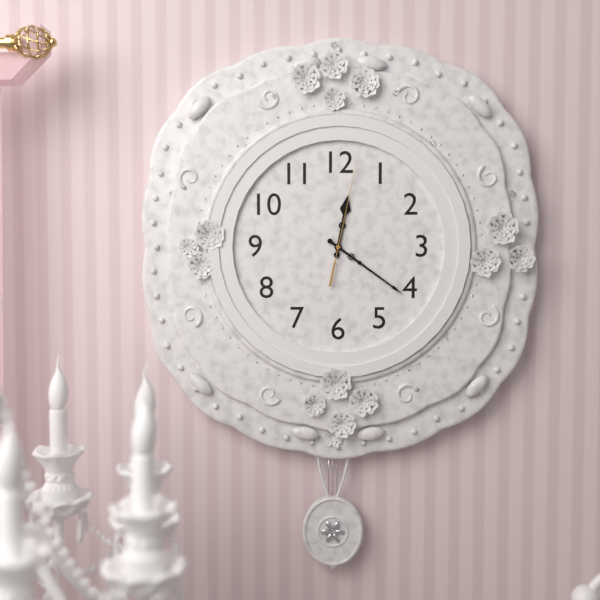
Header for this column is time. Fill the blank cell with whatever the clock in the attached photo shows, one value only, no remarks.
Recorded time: 12:21:02
